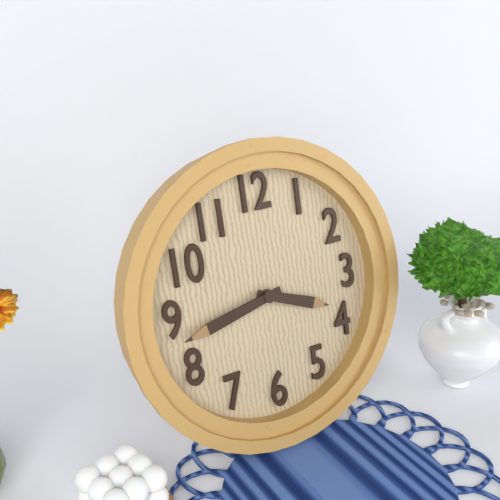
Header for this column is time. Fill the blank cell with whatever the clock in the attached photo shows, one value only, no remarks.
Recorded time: 3:43
